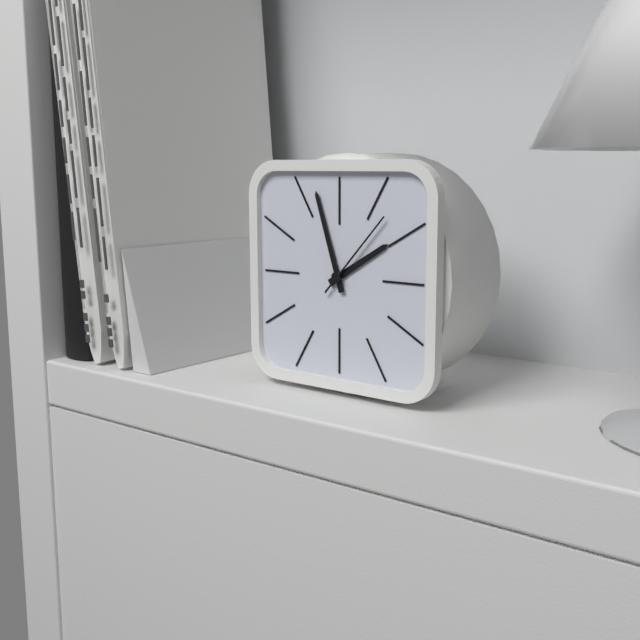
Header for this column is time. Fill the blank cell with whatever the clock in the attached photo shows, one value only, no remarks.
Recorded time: 1:57:07
